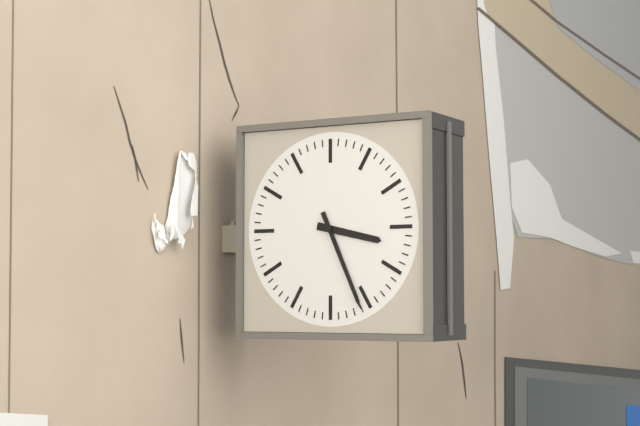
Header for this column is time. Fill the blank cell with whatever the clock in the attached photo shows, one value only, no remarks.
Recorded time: 3:26
